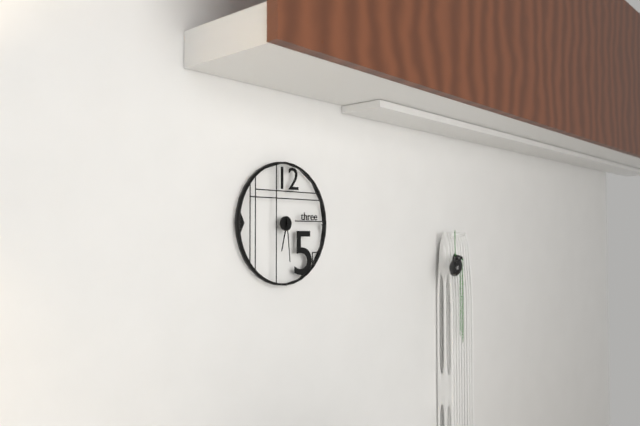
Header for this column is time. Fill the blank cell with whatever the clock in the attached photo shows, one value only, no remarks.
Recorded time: 6:29
